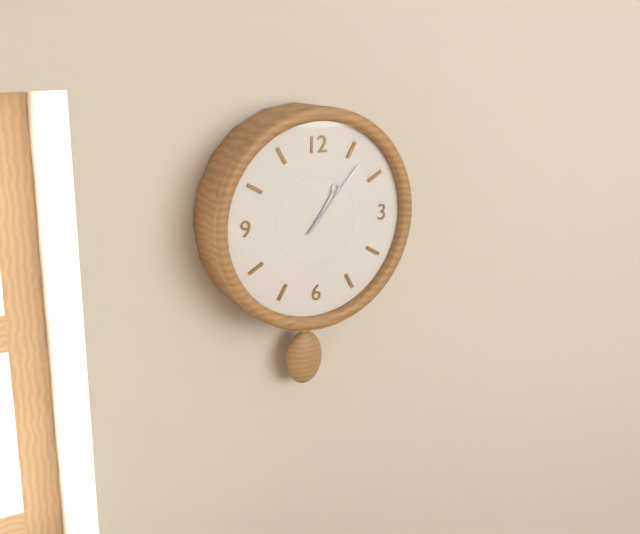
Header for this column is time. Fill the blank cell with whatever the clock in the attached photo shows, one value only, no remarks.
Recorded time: 1:07
